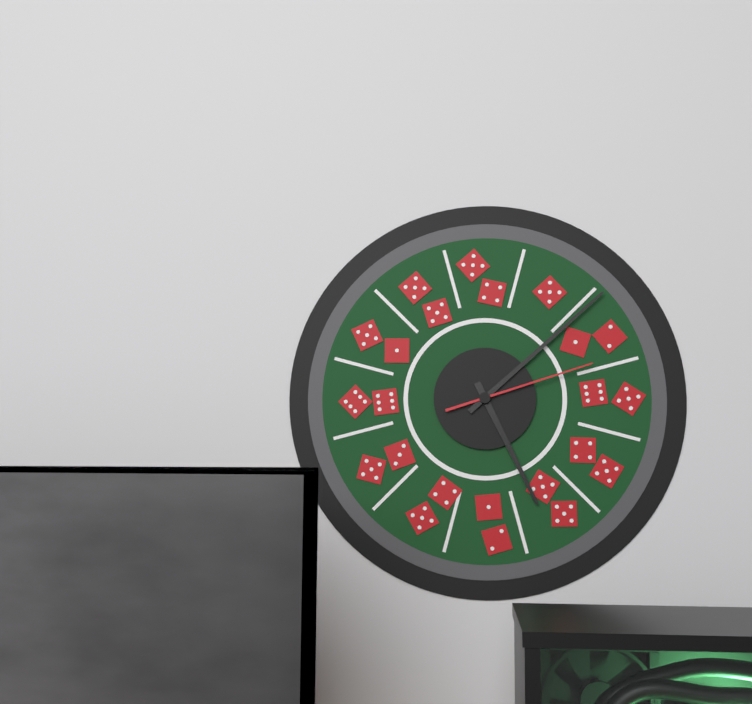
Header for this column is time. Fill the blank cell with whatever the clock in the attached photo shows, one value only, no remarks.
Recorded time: 5:08:12
